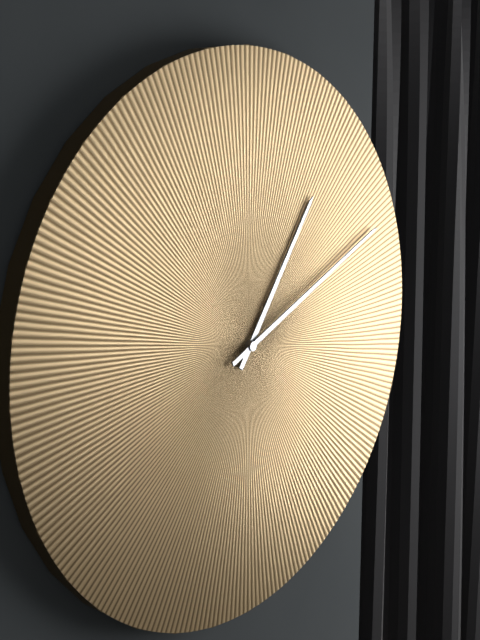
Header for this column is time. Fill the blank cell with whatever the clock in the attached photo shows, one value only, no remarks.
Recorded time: 1:11
